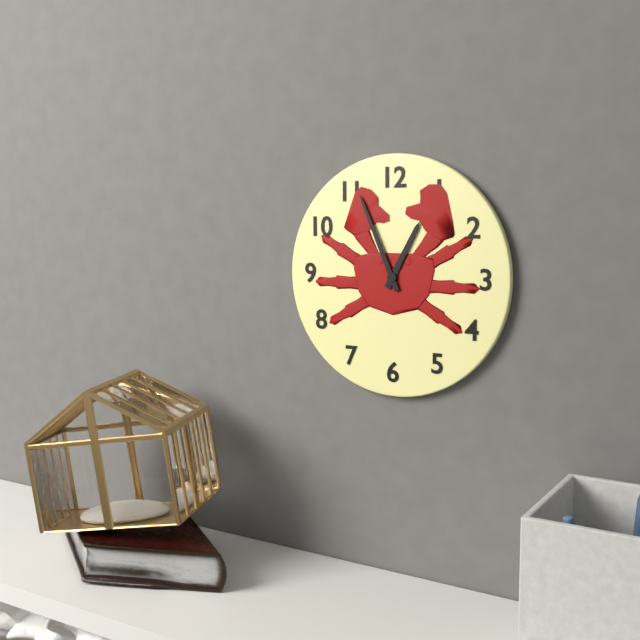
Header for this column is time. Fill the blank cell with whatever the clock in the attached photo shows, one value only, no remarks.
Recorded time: 12:56
